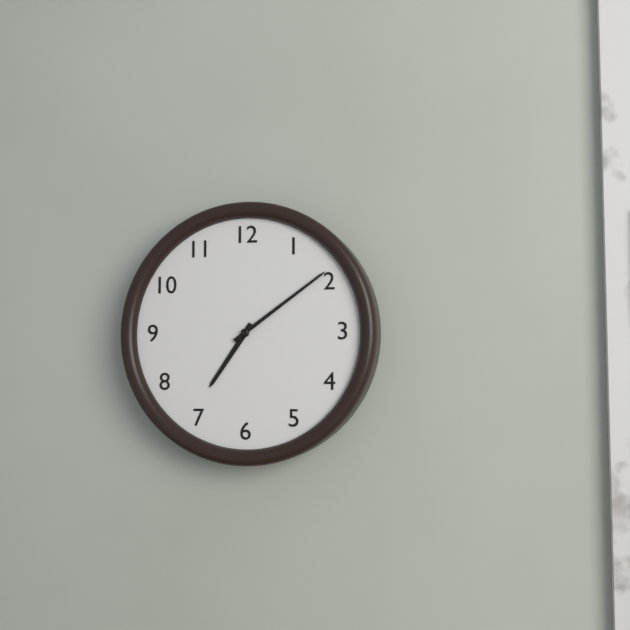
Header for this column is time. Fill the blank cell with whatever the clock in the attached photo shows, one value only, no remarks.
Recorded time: 7:09
